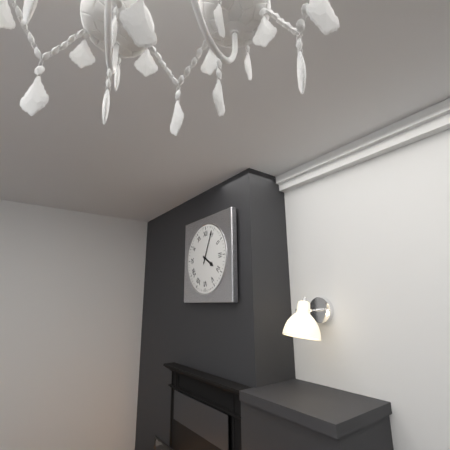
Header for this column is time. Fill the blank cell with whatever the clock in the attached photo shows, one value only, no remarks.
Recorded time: 4:04
